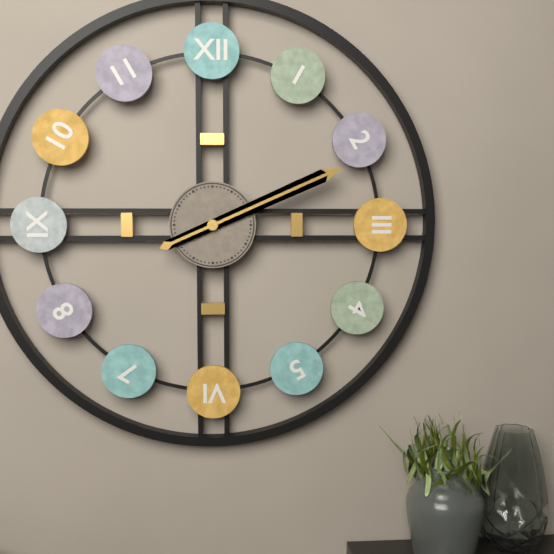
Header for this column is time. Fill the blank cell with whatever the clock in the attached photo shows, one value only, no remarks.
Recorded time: 2:11
